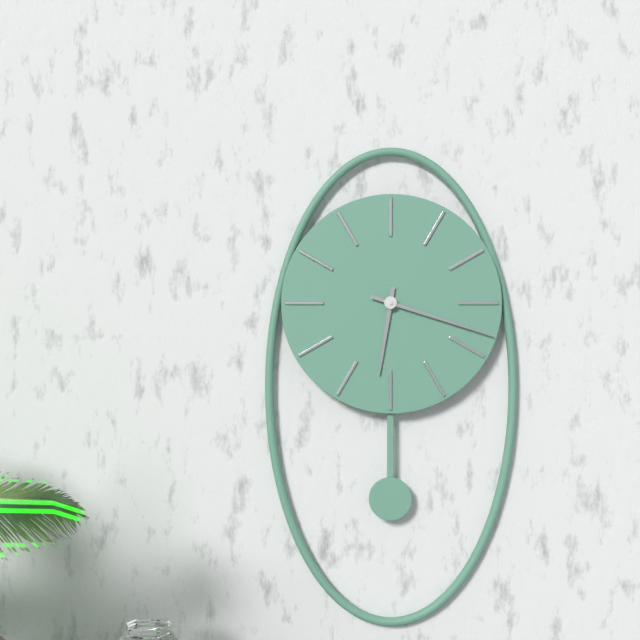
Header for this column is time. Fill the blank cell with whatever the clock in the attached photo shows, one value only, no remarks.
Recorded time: 6:18
